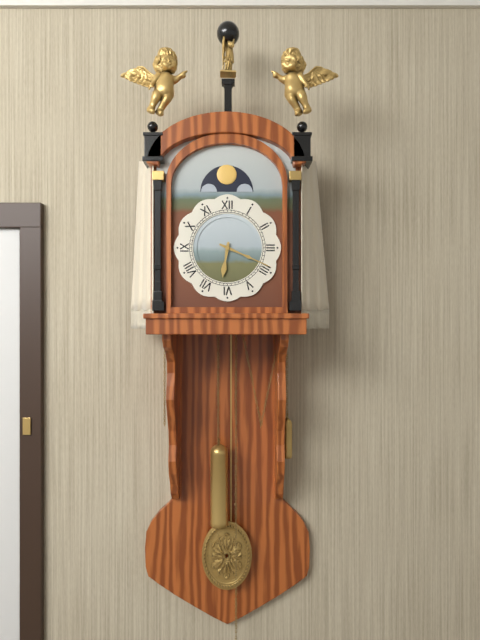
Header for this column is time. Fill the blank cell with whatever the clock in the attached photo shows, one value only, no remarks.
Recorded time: 6:19
